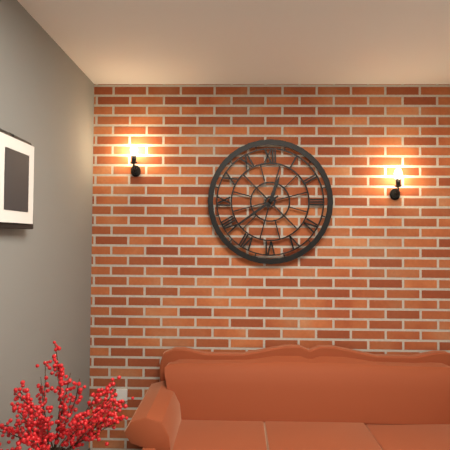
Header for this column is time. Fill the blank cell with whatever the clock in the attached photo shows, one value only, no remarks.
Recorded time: 12:39
